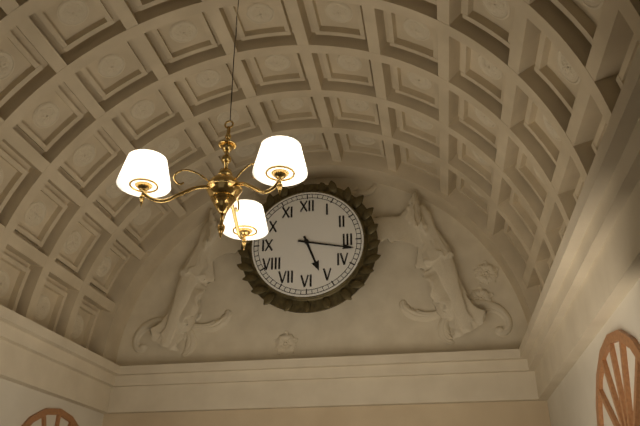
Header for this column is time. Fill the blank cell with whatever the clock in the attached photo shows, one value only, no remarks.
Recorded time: 5:17
